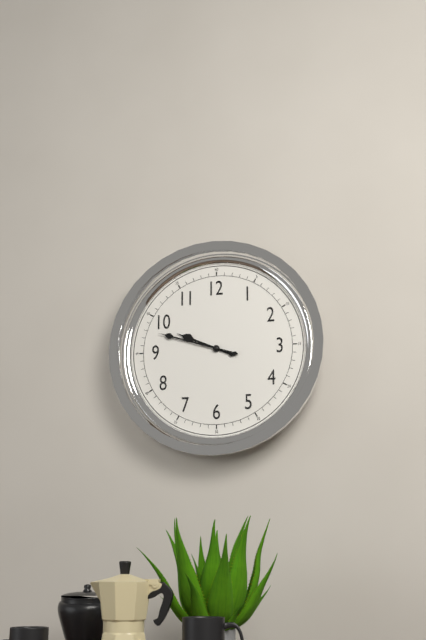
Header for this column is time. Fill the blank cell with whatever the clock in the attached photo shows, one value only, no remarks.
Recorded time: 9:48
